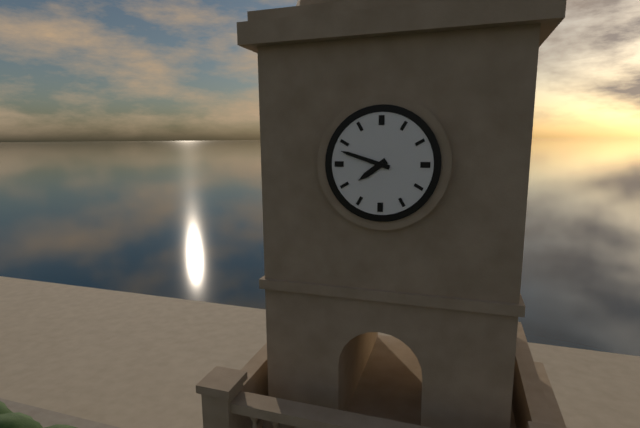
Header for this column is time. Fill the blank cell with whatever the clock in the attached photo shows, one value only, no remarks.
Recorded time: 7:48
